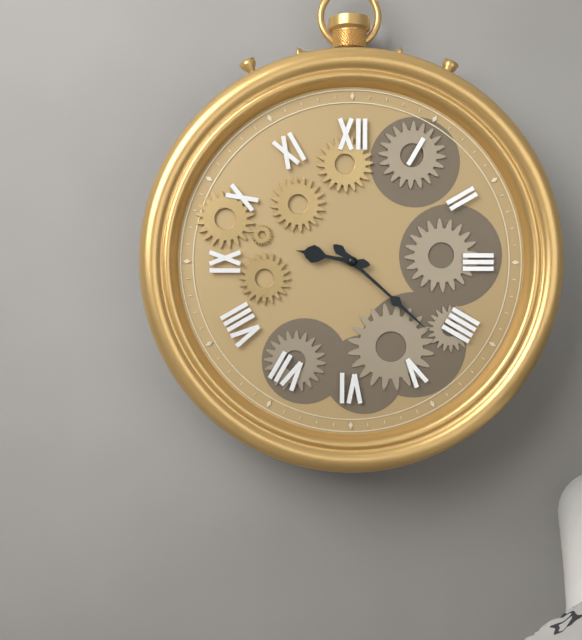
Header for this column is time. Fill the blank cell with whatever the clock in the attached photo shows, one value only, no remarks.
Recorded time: 9:22
